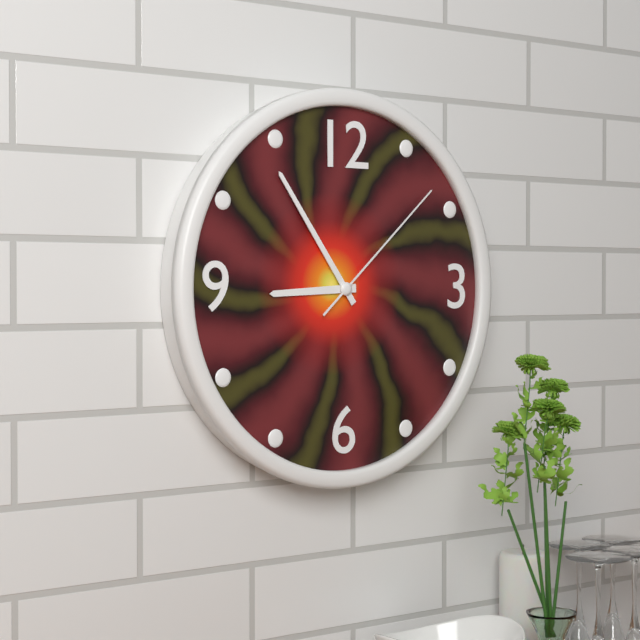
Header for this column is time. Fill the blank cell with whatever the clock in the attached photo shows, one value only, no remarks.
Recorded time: 8:54:08
